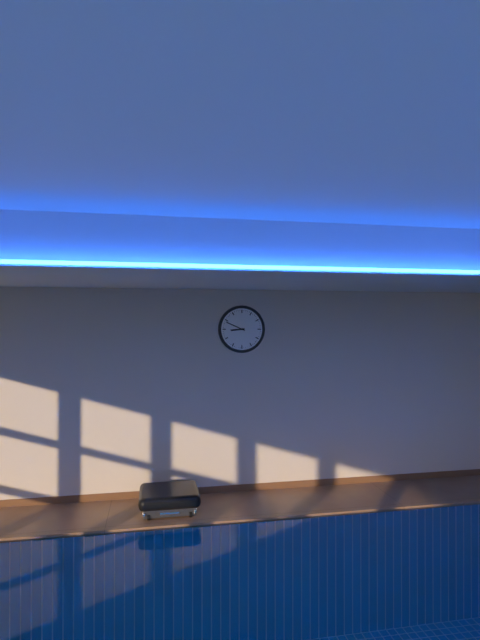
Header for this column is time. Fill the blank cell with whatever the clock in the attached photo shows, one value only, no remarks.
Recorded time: 8:49
